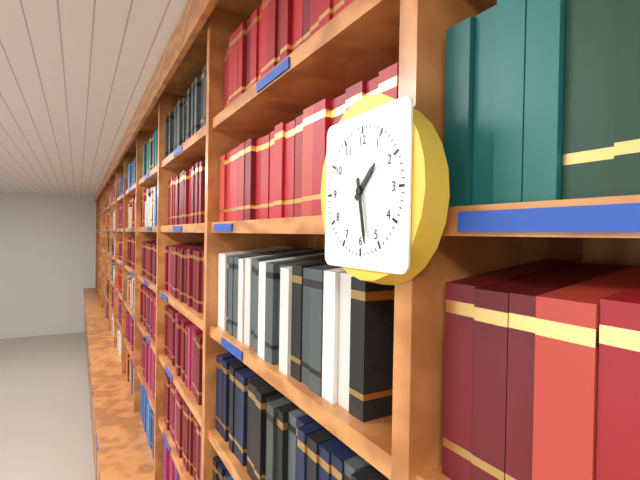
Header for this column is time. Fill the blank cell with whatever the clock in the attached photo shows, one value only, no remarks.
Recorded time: 1:28
